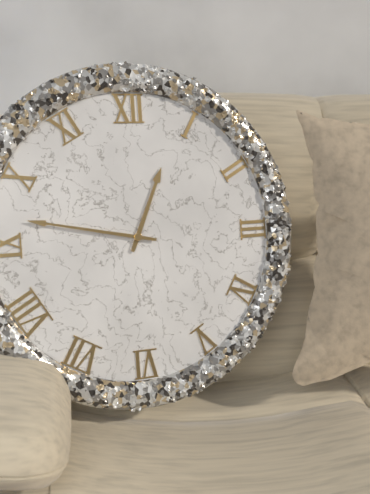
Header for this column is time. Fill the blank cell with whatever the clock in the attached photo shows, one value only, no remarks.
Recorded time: 12:47
